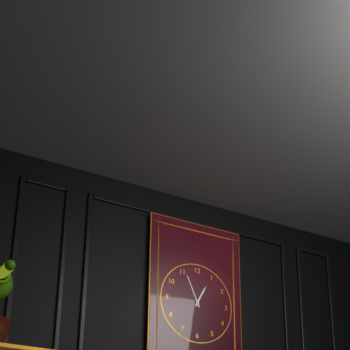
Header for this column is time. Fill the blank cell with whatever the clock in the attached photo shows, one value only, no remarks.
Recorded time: 12:56
